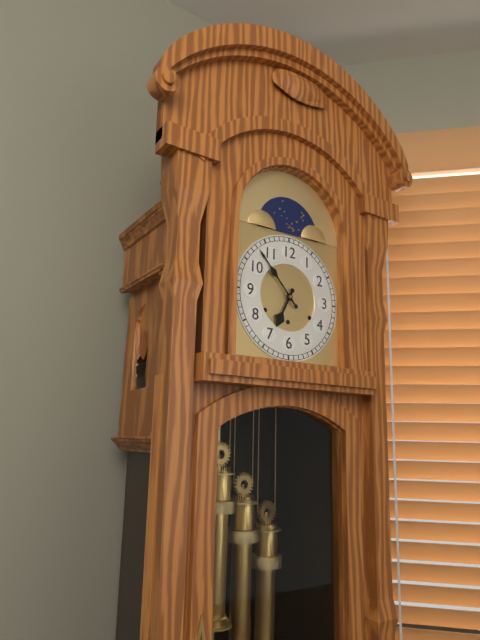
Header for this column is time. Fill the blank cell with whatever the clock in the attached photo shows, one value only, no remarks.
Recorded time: 6:53
